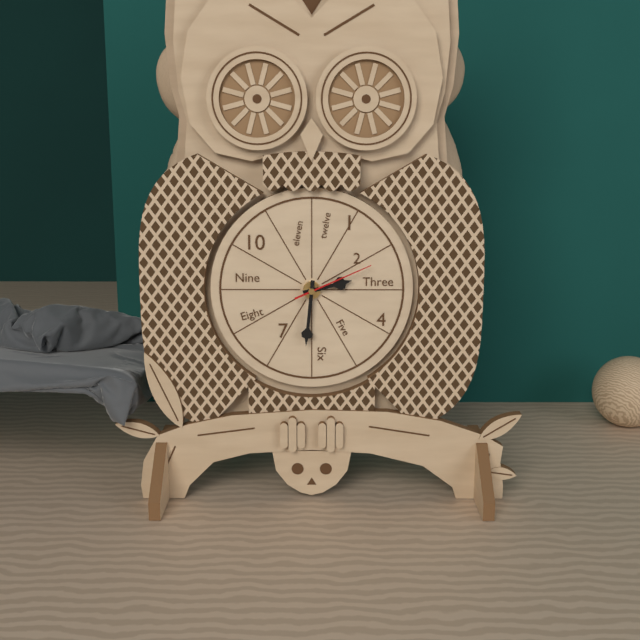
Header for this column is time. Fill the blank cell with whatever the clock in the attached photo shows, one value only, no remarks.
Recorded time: 2:31:11
